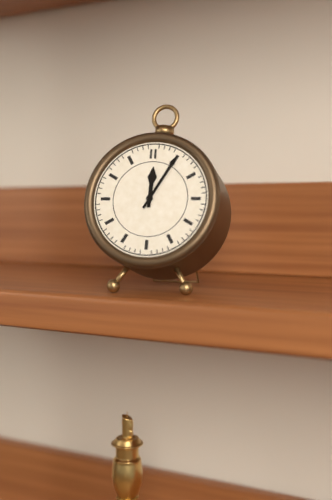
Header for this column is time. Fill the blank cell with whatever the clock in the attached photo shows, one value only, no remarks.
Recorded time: 12:05
